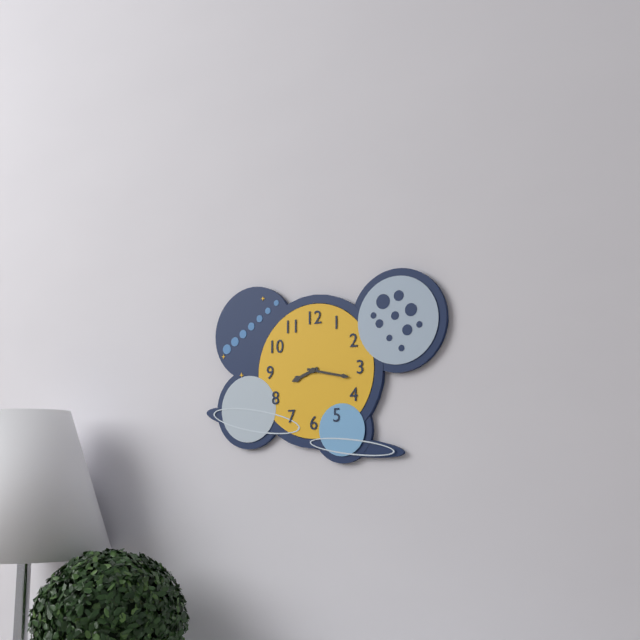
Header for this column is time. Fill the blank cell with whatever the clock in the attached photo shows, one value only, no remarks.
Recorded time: 8:17
